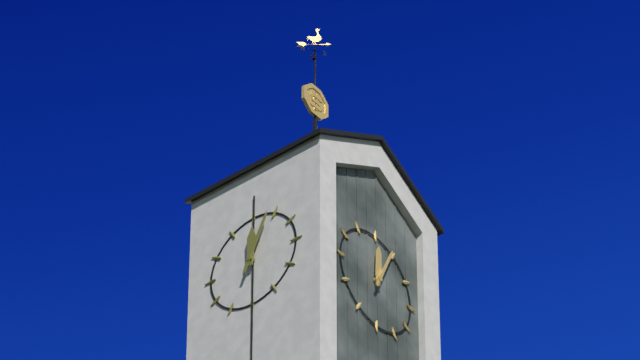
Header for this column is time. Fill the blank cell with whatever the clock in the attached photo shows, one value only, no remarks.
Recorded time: 12:04
